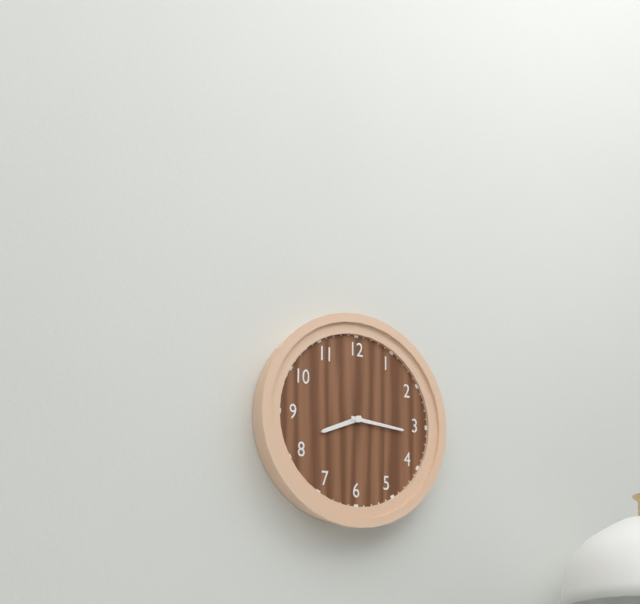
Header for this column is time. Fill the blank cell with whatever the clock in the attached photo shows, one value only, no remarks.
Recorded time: 8:16
